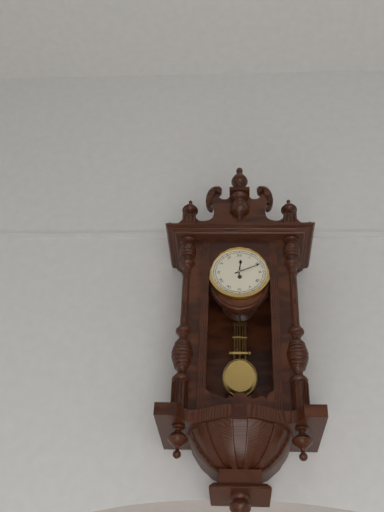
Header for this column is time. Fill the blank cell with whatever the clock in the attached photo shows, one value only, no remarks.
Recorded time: 12:11
